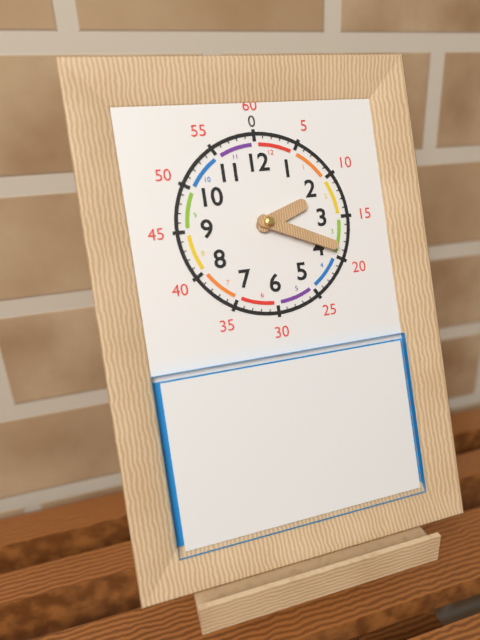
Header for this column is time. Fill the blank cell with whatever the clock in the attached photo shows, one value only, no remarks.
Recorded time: 2:19
